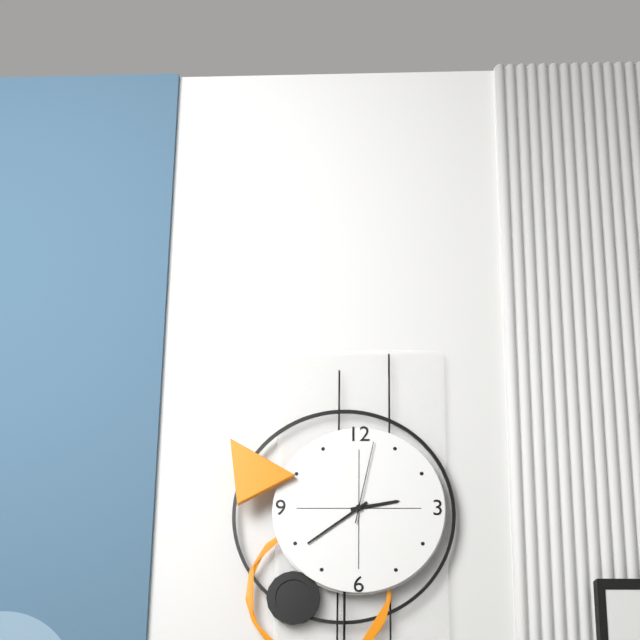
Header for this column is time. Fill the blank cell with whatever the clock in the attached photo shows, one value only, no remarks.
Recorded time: 2:39:02
